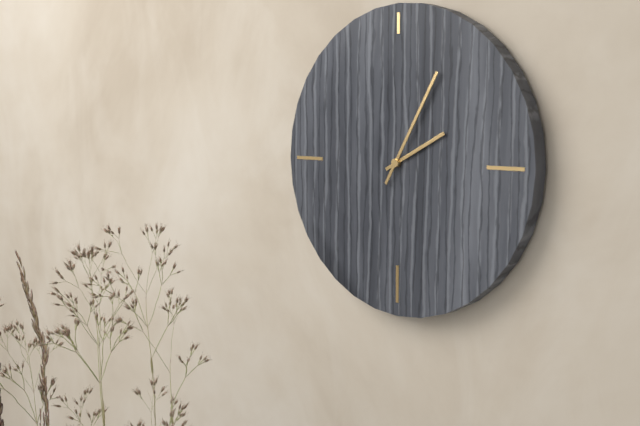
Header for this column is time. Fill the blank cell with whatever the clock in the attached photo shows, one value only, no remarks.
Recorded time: 2:05
